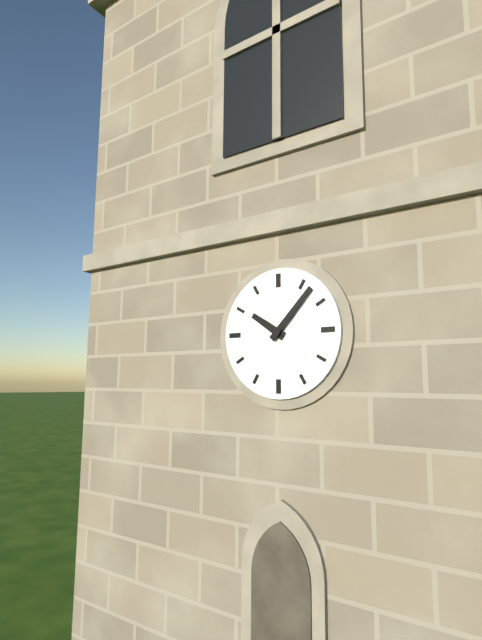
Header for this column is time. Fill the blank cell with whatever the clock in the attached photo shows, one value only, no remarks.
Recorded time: 10:07
